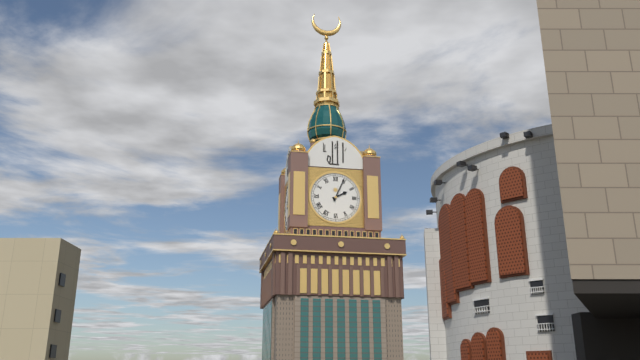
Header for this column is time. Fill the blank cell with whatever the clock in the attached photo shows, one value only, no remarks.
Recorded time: 2:04
